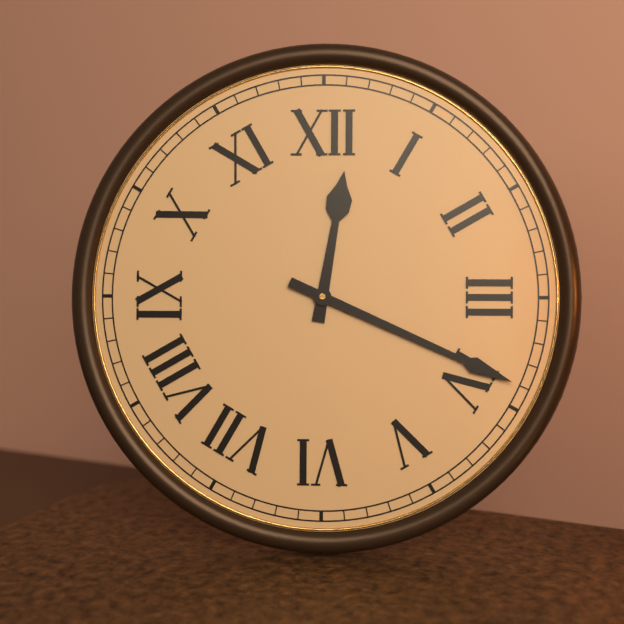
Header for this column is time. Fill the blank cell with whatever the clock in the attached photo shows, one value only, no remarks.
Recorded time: 12:19
